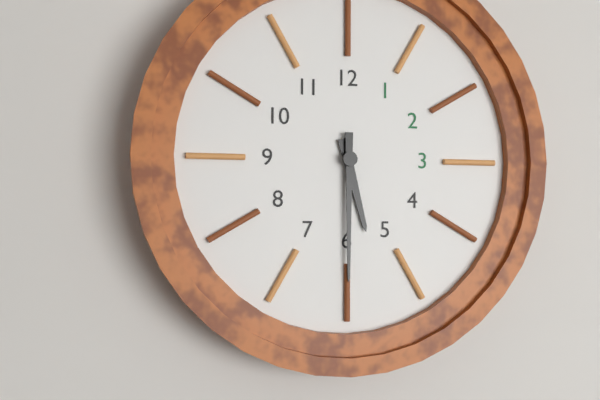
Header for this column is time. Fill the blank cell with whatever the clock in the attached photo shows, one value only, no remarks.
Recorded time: 5:30
